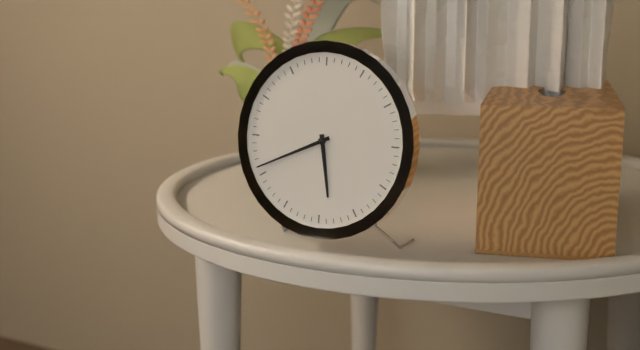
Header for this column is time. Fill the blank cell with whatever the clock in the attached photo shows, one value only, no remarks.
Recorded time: 5:41
